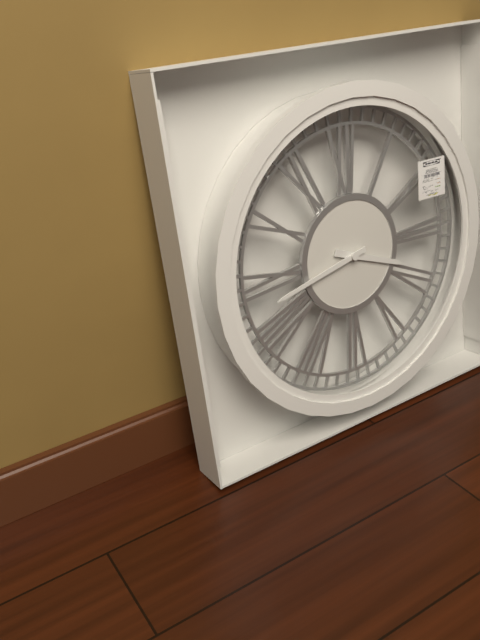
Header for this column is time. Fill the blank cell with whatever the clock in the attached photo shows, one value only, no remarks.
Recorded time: 3:43
